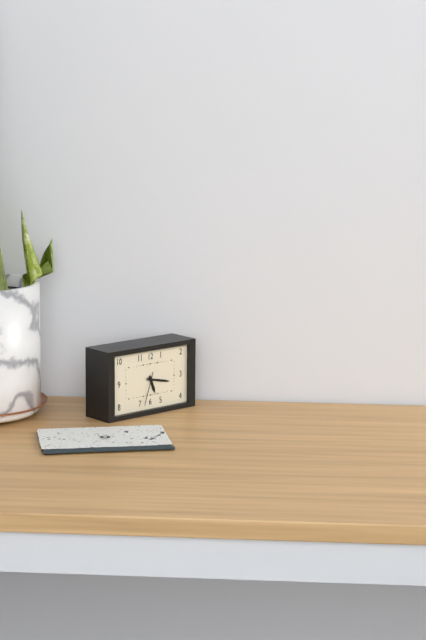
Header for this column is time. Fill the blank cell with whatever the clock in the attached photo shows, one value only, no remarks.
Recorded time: 5:17
